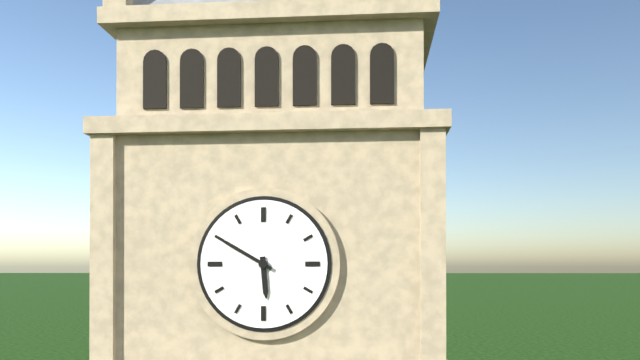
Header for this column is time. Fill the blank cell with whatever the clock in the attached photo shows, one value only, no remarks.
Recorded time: 5:50
